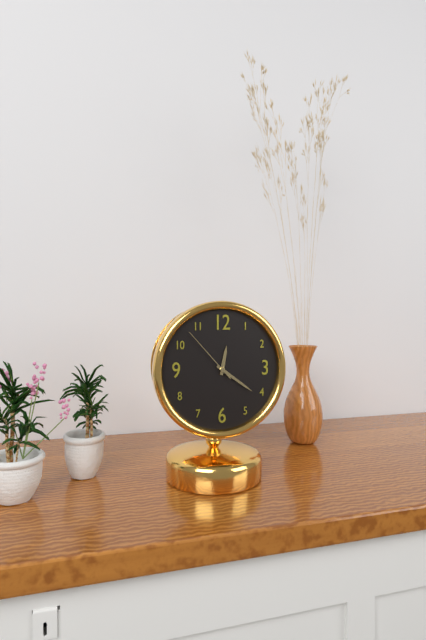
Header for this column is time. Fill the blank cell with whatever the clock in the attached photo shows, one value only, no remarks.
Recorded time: 12:21:53
